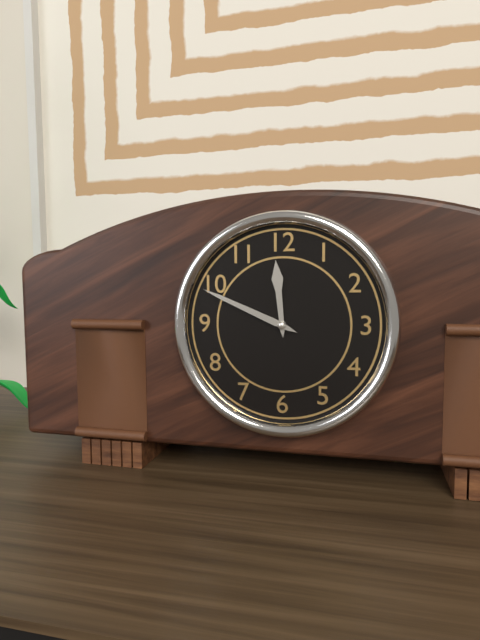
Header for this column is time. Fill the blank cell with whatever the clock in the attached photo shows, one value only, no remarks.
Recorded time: 11:49
